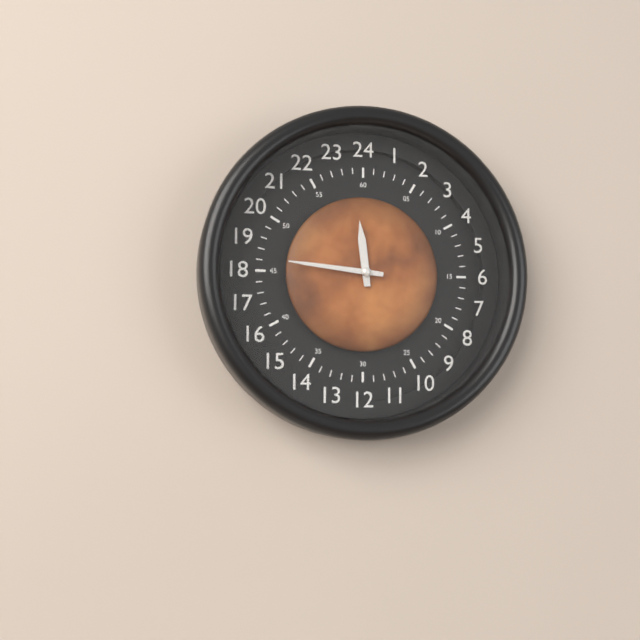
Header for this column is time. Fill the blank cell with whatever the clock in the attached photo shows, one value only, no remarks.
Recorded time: 11:46
